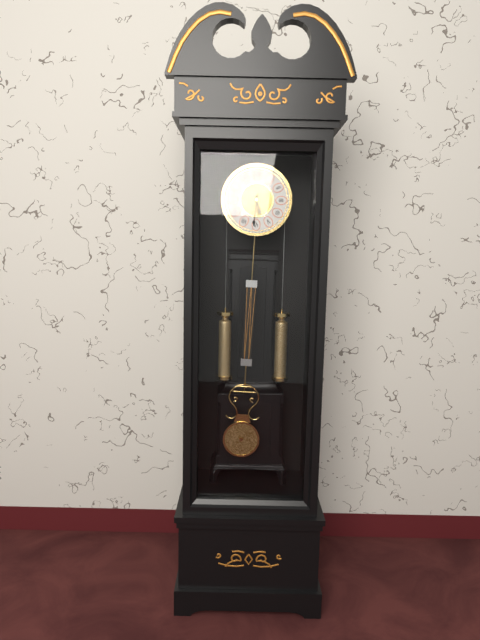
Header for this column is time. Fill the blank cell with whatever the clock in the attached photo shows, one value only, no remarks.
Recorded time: 5:31
